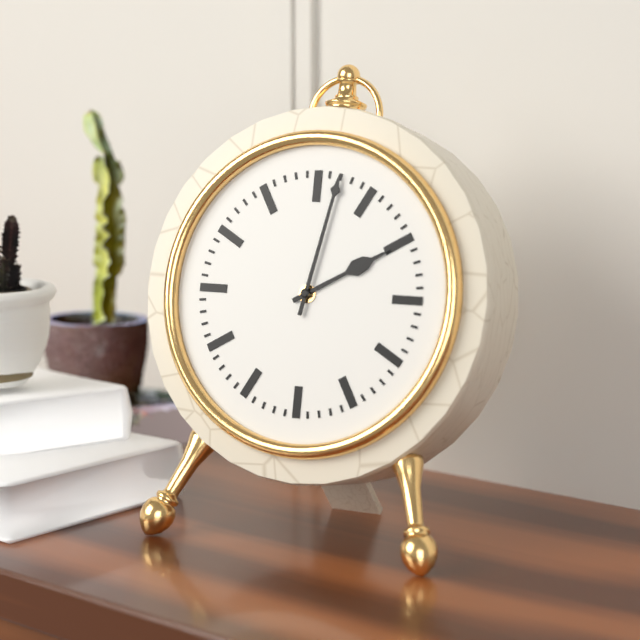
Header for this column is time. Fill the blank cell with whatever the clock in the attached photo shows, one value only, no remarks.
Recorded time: 2:02
